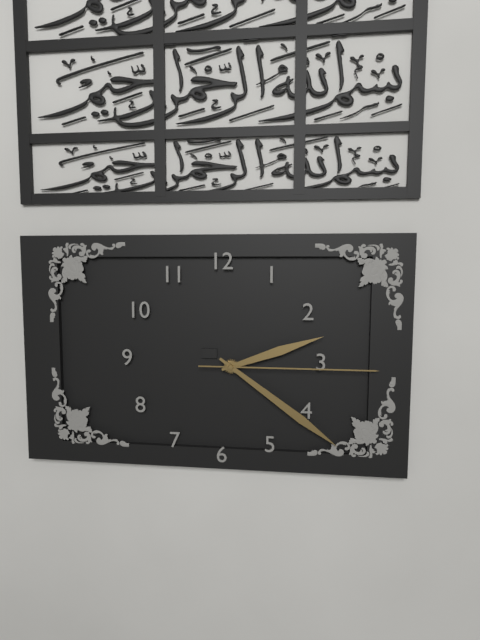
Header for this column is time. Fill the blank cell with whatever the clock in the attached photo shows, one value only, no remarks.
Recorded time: 2:21:15
